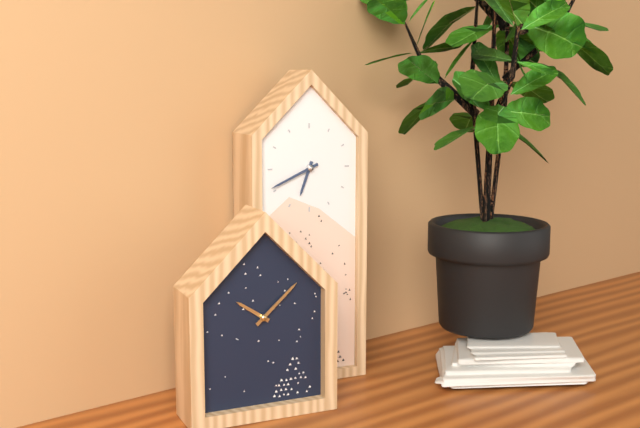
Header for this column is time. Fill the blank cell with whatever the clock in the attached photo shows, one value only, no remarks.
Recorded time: 6:41
